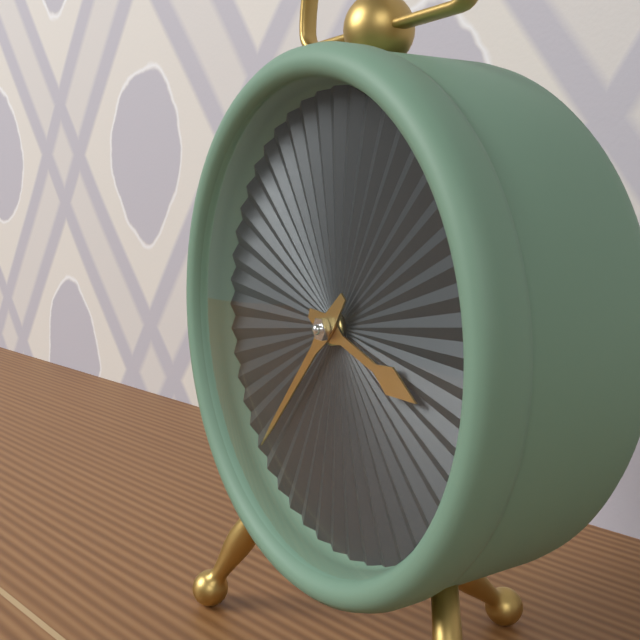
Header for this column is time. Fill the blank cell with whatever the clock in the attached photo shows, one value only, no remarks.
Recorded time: 3:37
